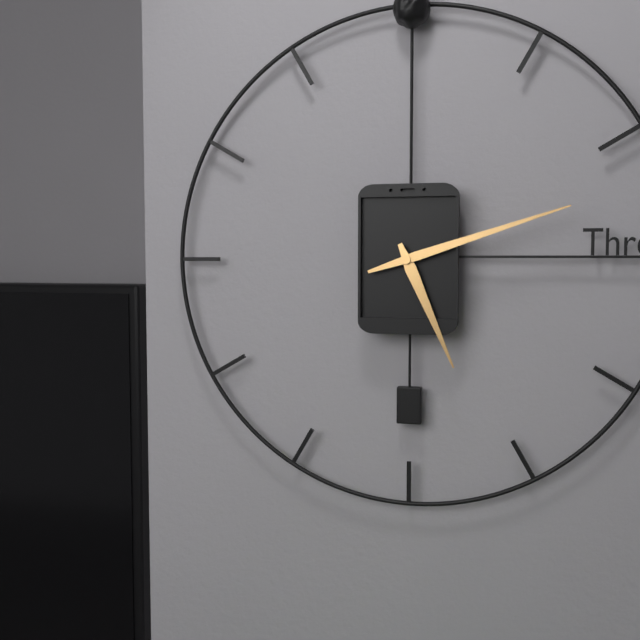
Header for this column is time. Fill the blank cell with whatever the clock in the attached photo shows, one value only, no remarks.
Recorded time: 5:12
